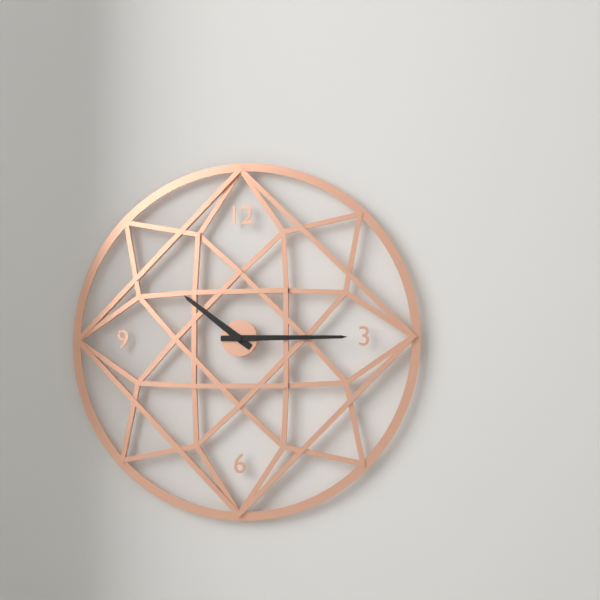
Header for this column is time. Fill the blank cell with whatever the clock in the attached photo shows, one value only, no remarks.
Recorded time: 10:15
